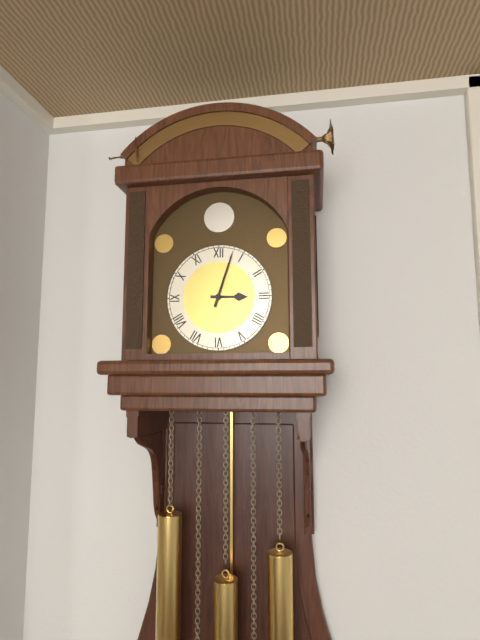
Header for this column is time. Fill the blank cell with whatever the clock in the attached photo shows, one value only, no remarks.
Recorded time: 3:03
